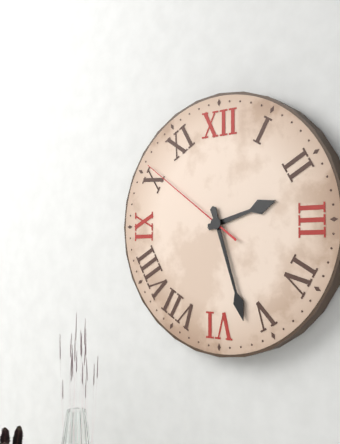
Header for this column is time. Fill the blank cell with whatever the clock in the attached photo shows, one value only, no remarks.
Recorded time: 2:27:51
